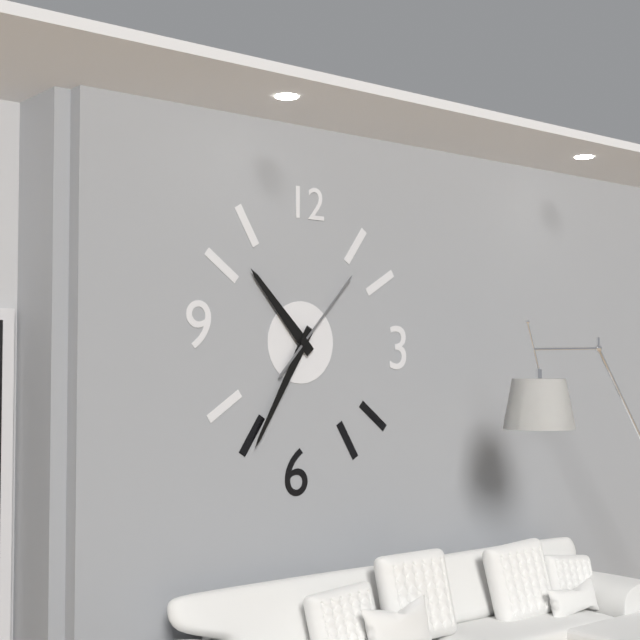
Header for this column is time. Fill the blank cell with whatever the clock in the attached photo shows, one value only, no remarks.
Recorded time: 10:35:07
